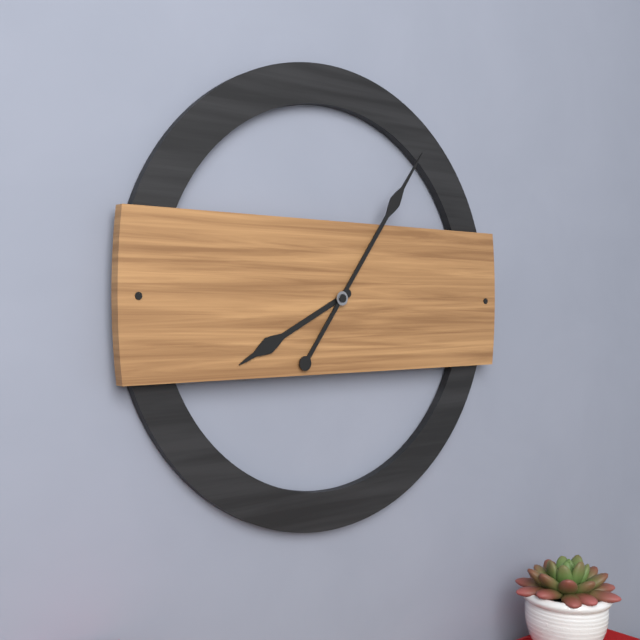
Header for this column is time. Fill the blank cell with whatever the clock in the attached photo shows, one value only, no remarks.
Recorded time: 8:06
